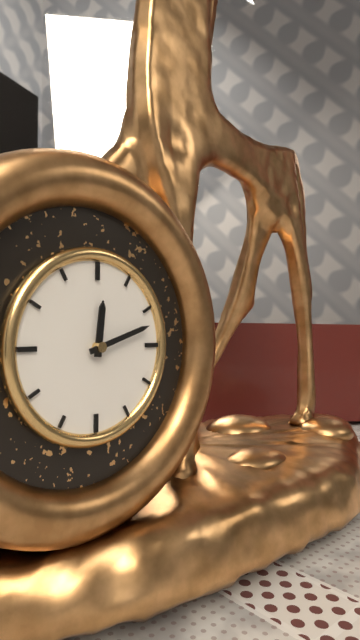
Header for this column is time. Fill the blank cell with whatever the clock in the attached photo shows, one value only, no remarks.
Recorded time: 12:12
